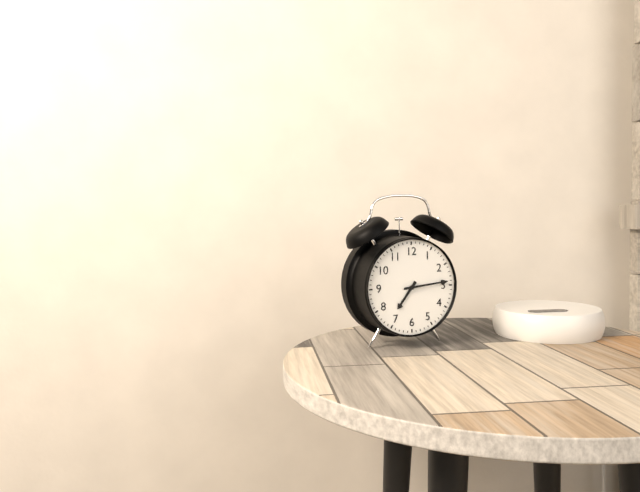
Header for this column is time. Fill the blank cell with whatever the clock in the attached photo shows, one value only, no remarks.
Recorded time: 7:14
